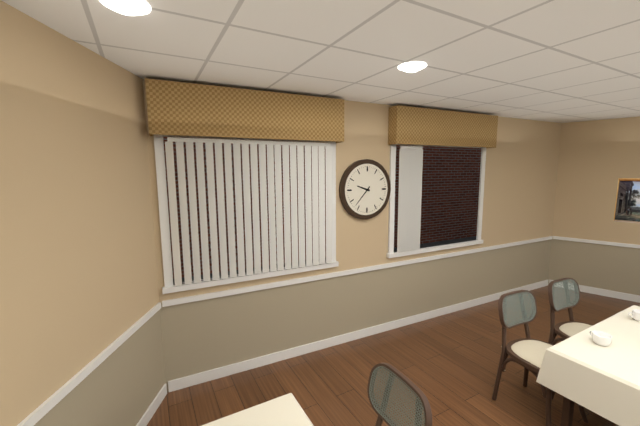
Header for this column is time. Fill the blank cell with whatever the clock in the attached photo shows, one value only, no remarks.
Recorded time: 9:37
